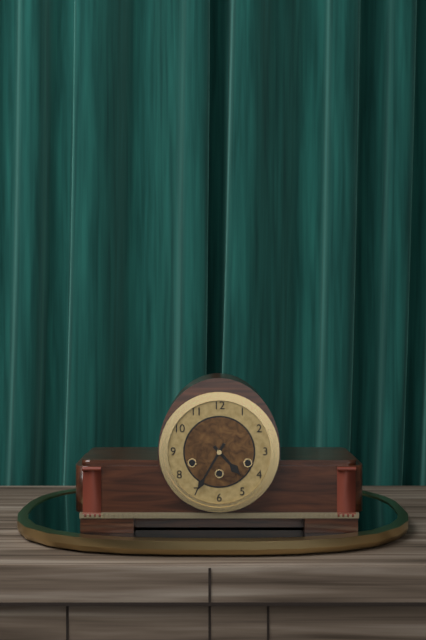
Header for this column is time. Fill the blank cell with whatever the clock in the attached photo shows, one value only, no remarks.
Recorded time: 4:35
